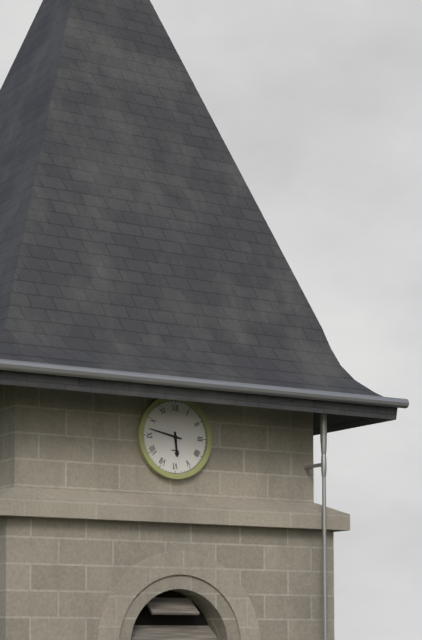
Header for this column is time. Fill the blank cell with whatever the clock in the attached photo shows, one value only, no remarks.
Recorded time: 5:47
